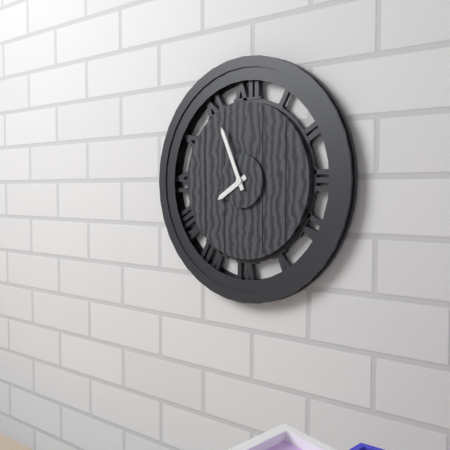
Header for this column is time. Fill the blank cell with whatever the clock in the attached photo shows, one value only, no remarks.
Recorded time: 7:56
